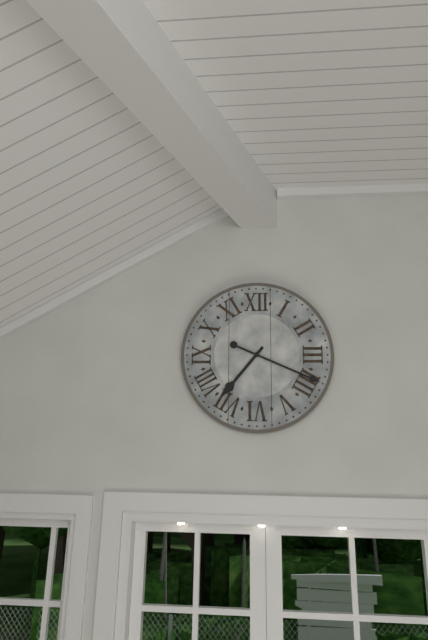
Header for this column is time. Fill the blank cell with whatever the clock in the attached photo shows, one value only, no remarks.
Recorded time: 7:19
